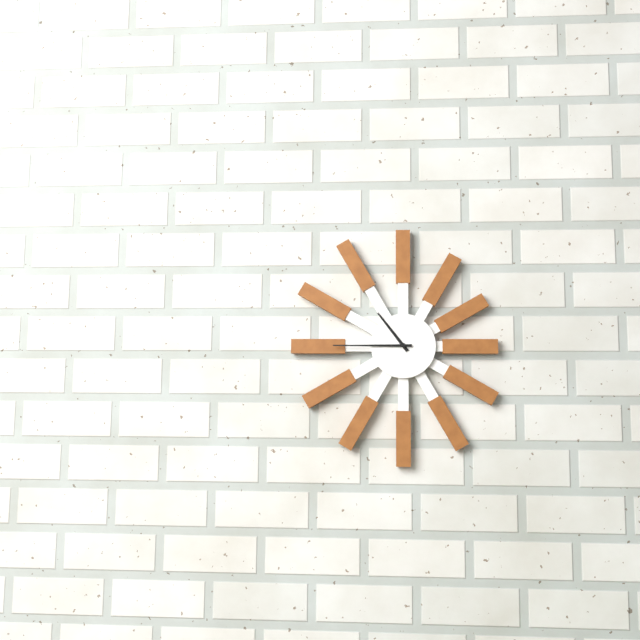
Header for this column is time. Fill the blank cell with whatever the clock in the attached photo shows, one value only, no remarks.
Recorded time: 10:45
